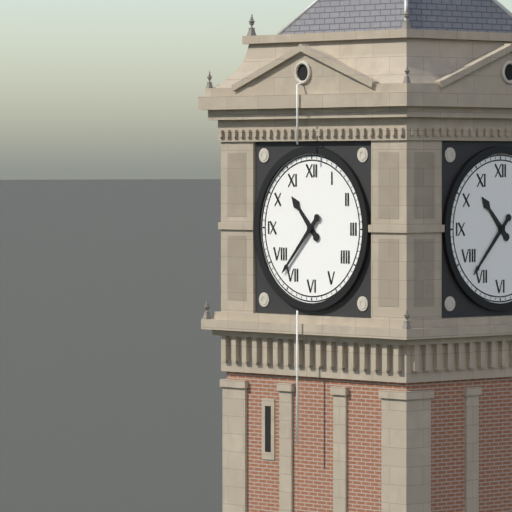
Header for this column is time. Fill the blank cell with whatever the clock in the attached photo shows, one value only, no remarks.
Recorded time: 10:37
